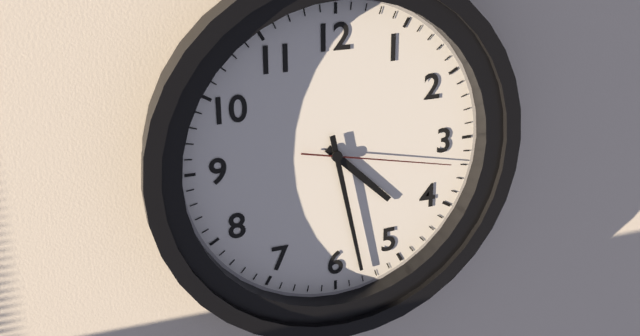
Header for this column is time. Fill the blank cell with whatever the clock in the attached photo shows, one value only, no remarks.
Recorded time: 4:28:17
